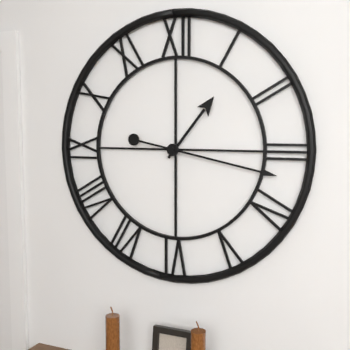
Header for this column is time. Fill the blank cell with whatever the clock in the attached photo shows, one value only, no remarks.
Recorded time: 1:17
